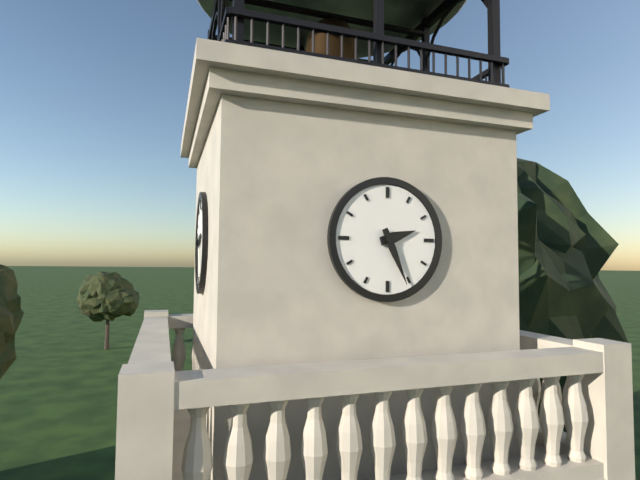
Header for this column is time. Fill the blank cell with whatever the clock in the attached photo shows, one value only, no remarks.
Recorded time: 2:26
